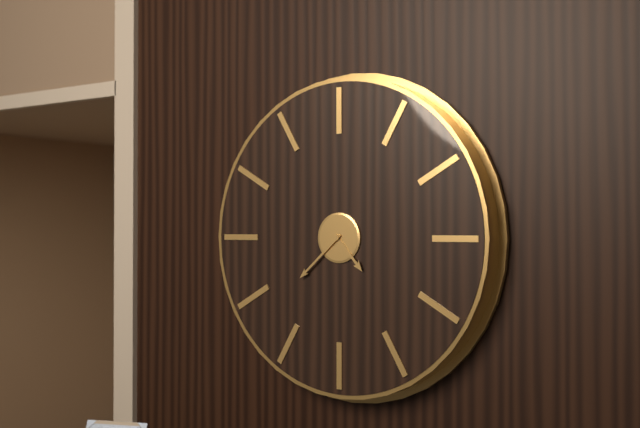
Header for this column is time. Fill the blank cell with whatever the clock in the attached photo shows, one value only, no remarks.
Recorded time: 4:38
